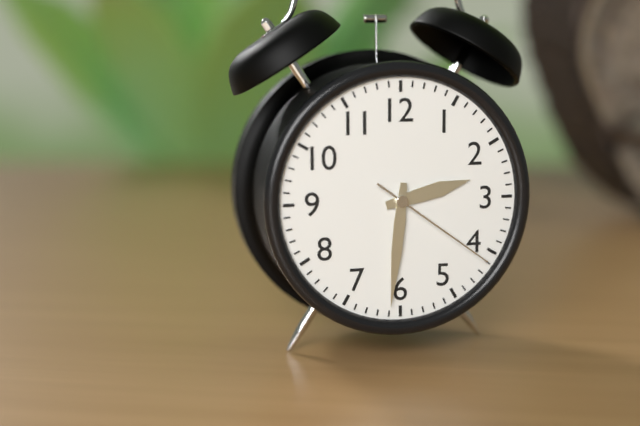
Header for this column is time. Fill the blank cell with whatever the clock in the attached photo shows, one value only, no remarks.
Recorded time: 2:31:21
